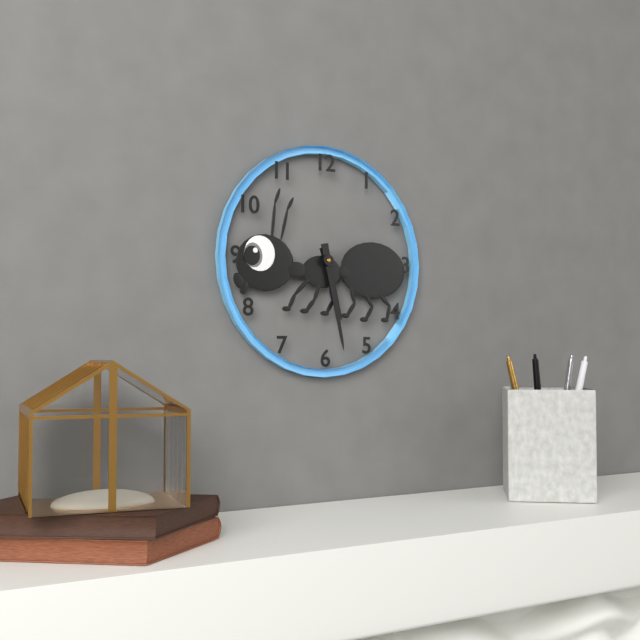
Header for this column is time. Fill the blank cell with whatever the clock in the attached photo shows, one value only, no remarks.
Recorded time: 5:28
